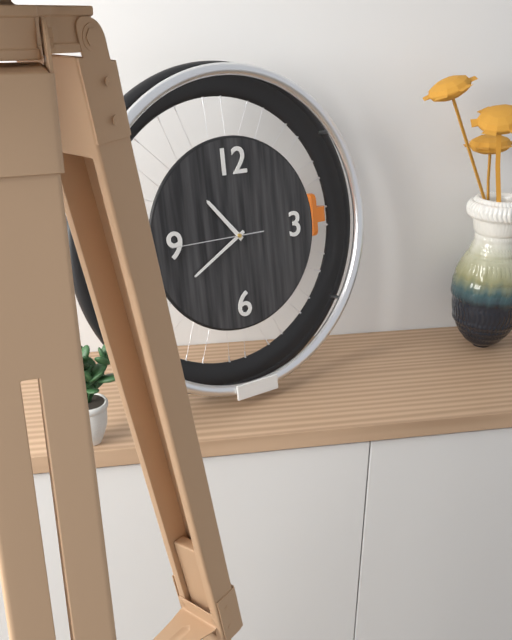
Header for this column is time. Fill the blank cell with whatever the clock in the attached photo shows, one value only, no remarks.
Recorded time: 10:40:45
